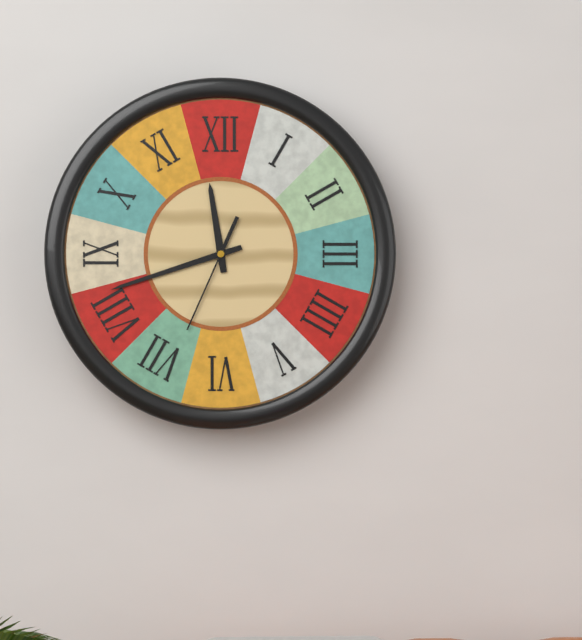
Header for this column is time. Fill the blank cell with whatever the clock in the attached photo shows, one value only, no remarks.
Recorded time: 11:42:34
